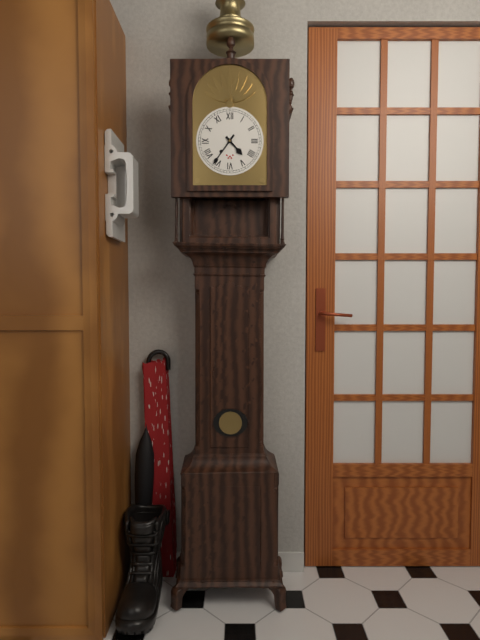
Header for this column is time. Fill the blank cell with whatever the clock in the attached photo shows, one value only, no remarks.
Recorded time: 4:36
